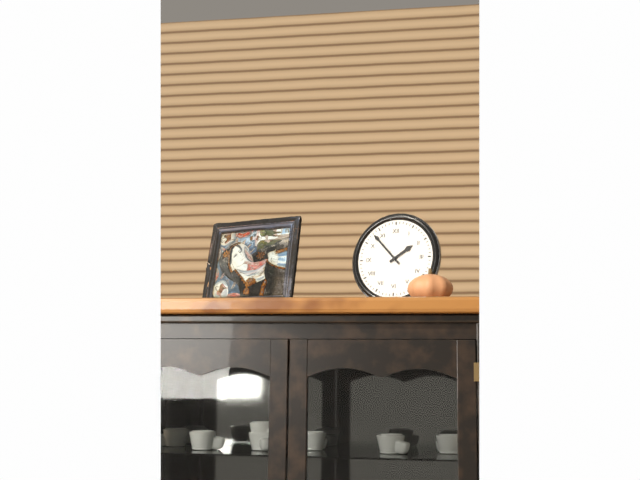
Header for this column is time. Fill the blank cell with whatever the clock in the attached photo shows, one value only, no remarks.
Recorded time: 1:53
